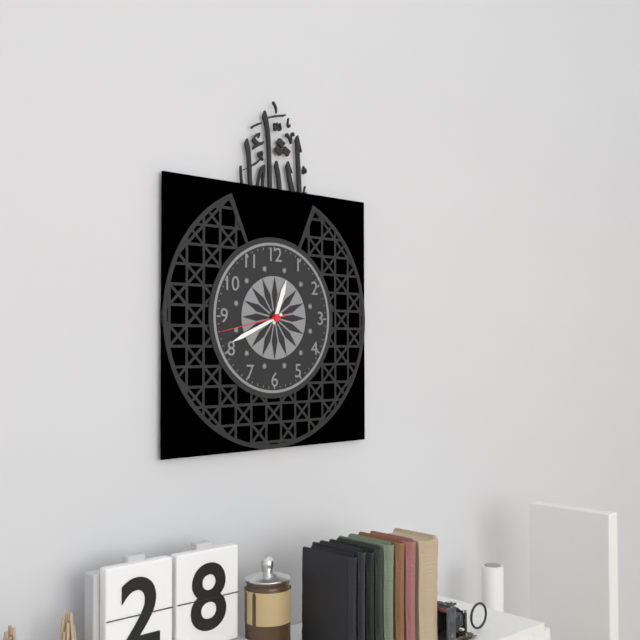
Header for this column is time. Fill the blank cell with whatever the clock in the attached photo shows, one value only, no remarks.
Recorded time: 12:41:43
